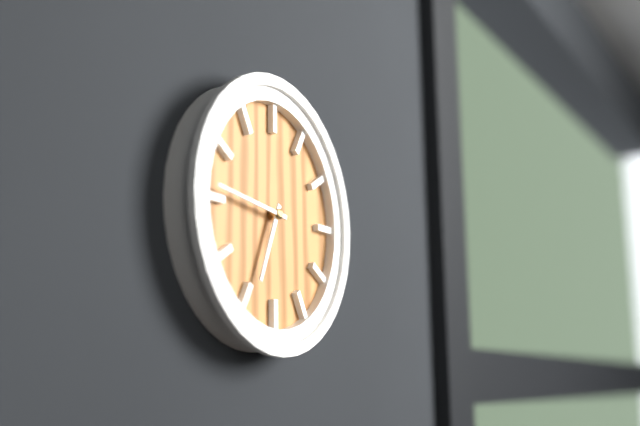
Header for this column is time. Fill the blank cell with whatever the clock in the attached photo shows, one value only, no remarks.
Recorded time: 6:46
